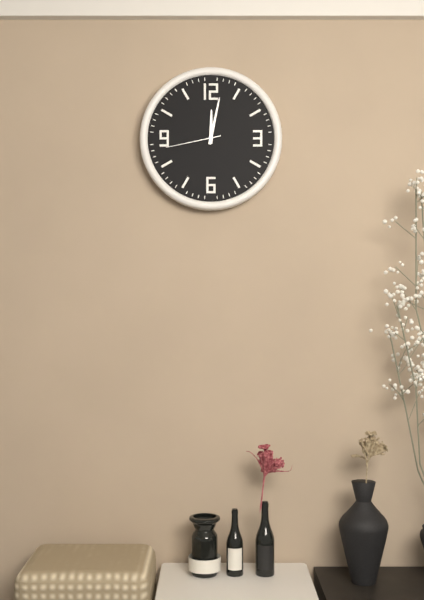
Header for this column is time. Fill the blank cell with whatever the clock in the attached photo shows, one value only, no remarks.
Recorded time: 12:02:43
